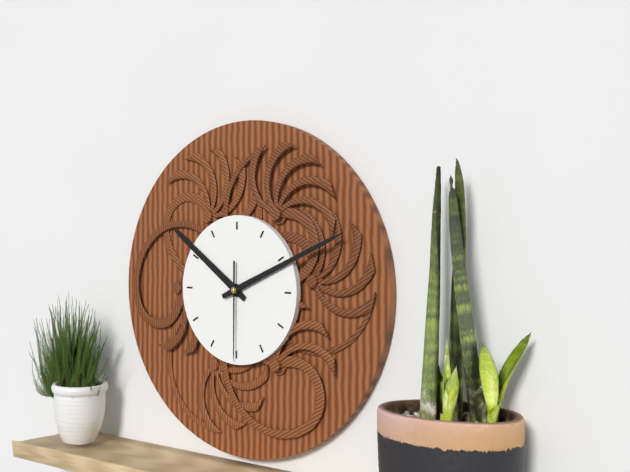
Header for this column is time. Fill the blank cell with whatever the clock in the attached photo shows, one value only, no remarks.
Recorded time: 10:11:30
